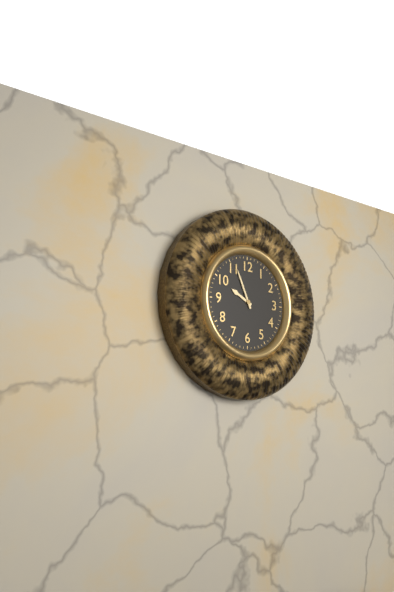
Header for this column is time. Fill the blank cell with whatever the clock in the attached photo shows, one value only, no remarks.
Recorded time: 9:56
